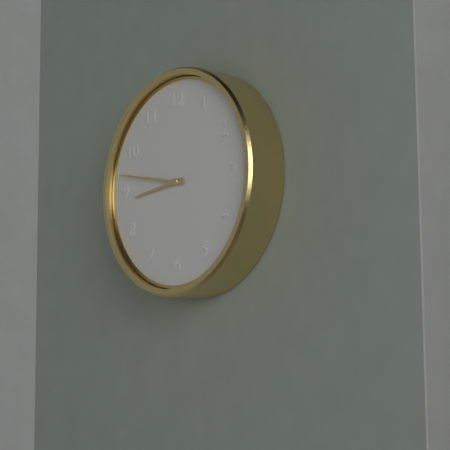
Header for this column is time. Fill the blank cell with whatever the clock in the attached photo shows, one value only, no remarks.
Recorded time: 8:47
